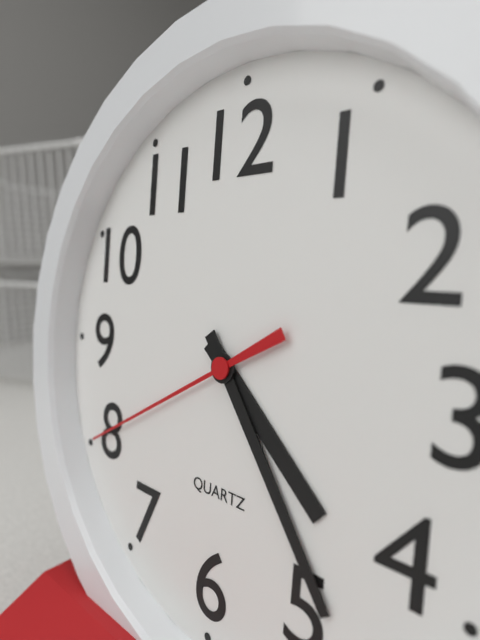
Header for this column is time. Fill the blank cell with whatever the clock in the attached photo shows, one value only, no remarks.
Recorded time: 4:24:40
